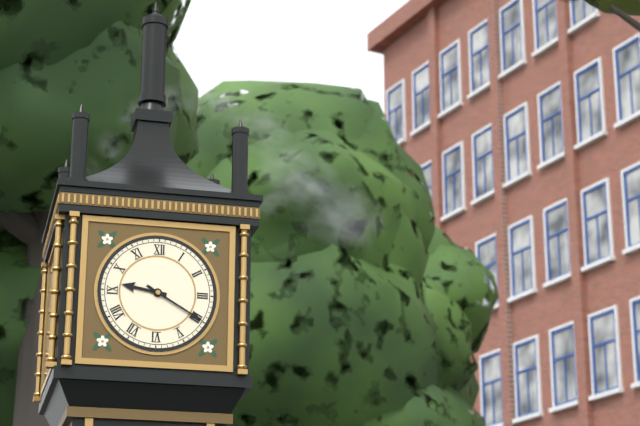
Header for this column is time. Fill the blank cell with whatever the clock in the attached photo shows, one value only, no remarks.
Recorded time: 9:20
